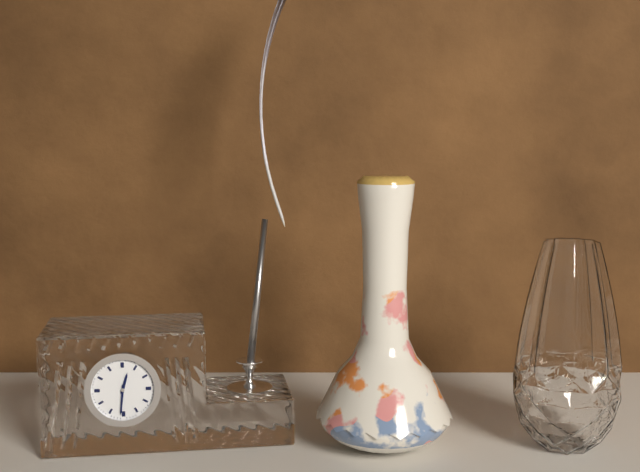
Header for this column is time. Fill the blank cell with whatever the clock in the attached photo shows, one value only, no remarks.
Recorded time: 12:31
